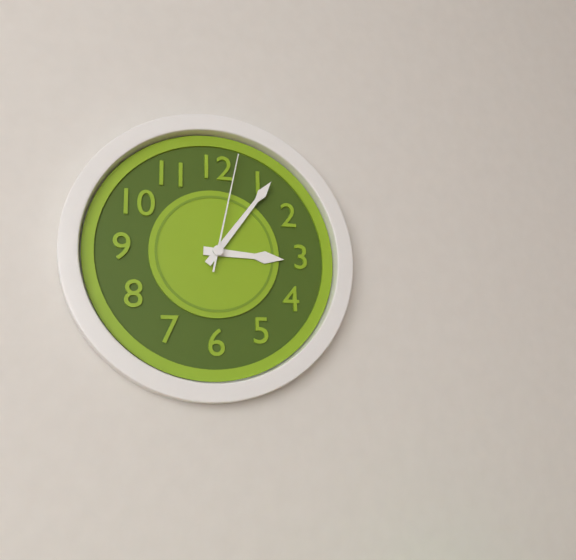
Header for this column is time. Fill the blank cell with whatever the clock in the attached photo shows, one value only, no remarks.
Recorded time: 3:06:02
